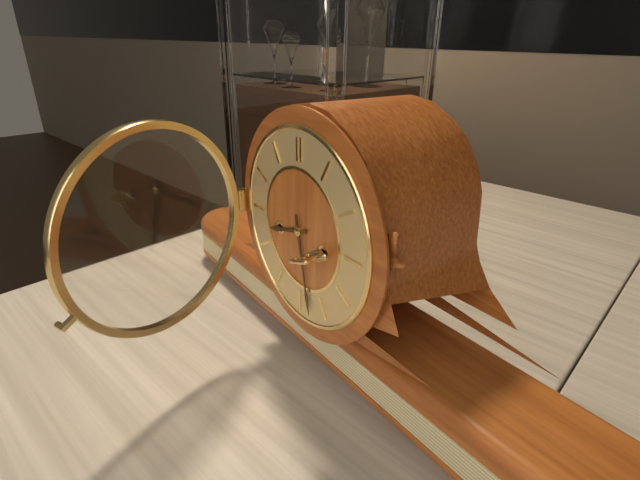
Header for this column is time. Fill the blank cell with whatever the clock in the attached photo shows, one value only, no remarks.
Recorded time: 8:28
